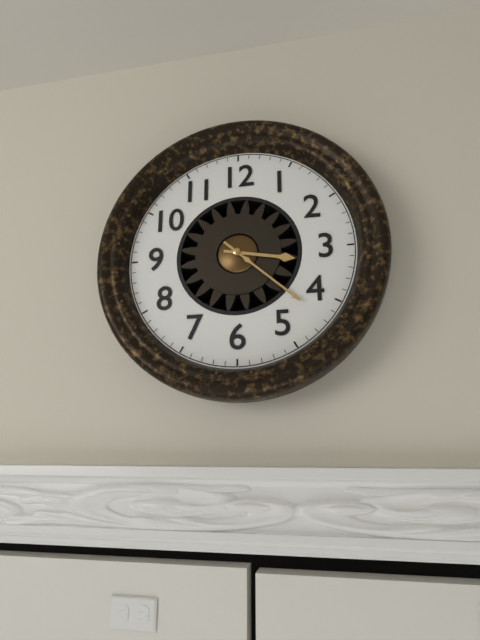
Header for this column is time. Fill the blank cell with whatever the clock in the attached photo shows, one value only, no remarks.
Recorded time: 3:22
